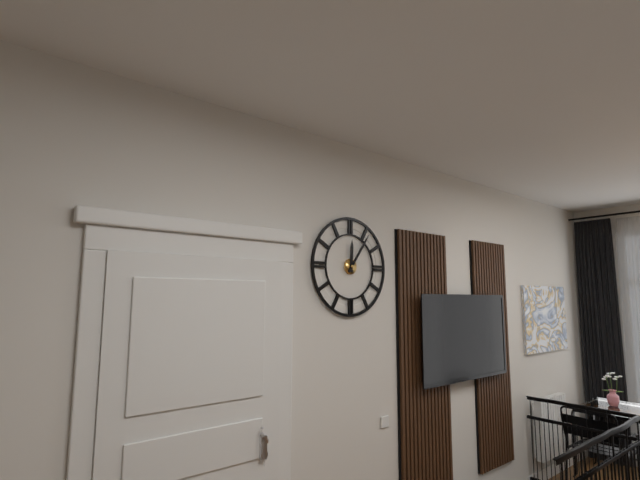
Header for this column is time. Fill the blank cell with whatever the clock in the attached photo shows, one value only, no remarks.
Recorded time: 12:06
